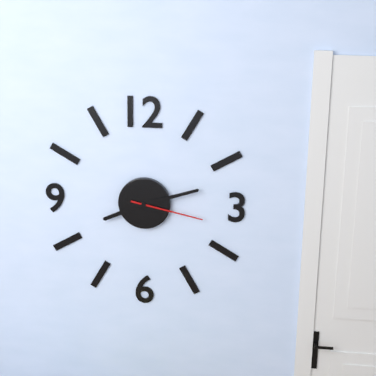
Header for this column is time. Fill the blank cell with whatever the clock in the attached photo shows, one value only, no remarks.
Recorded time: 8:12:17
